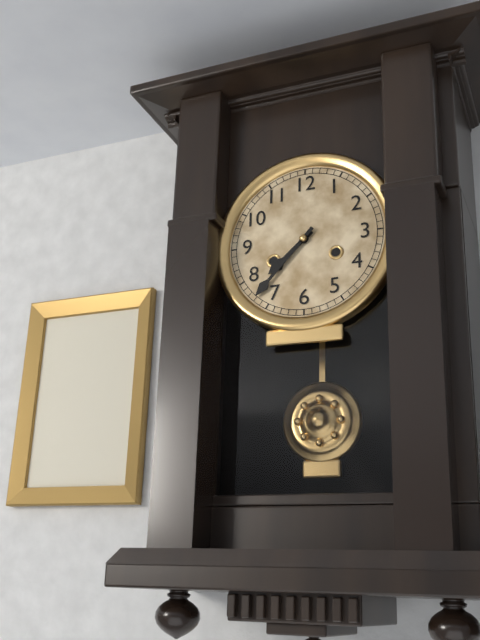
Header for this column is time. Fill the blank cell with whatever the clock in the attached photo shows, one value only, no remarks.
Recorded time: 7:37
